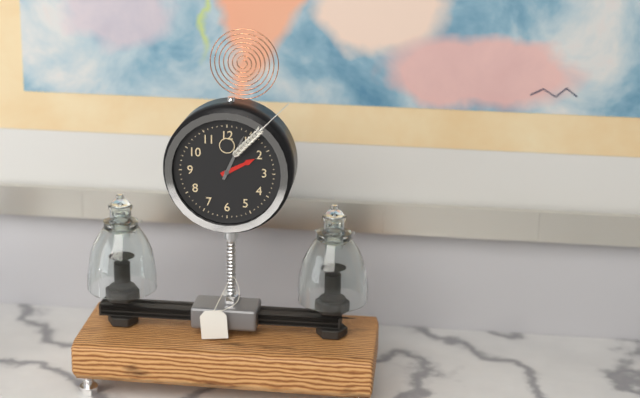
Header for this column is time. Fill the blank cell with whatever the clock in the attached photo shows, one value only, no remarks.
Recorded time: 2:04
